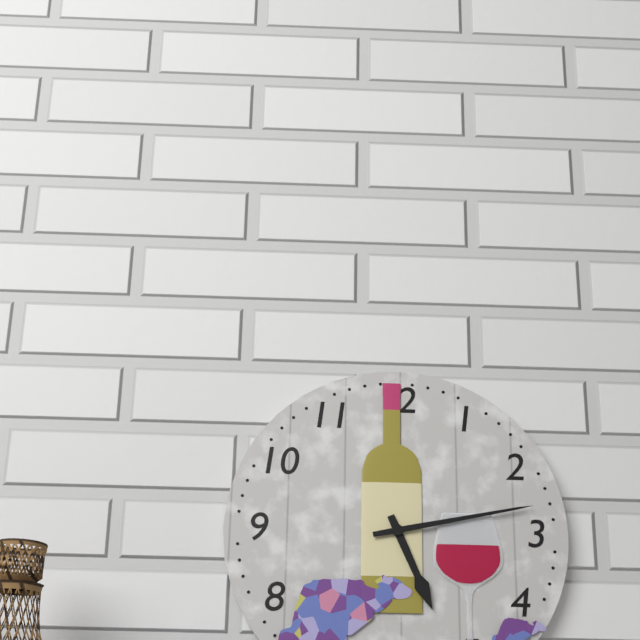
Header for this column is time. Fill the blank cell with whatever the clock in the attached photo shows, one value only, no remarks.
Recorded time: 5:13
